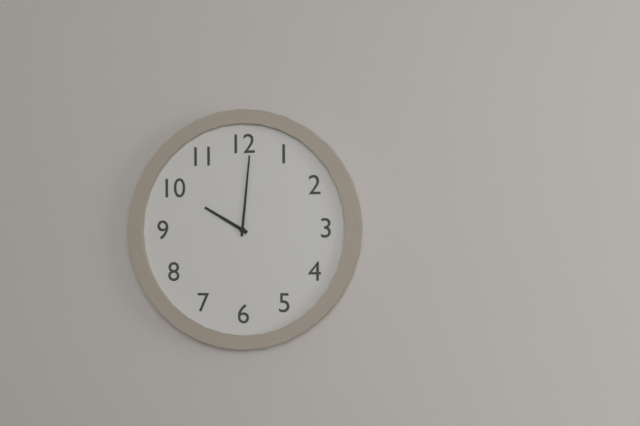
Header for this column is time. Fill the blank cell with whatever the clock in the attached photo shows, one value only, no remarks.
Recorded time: 10:01
